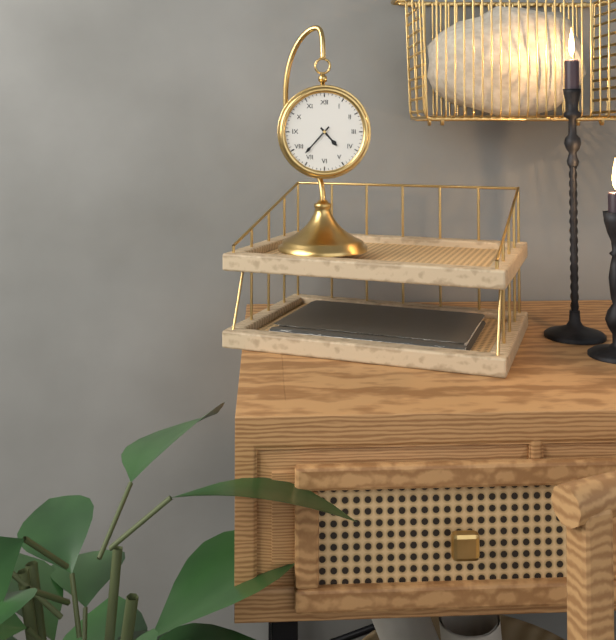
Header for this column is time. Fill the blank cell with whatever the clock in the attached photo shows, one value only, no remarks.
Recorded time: 4:37
